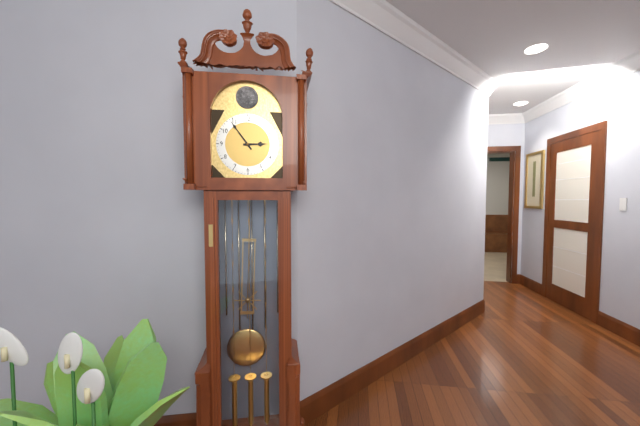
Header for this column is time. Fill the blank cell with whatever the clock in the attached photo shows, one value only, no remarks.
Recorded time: 2:54
